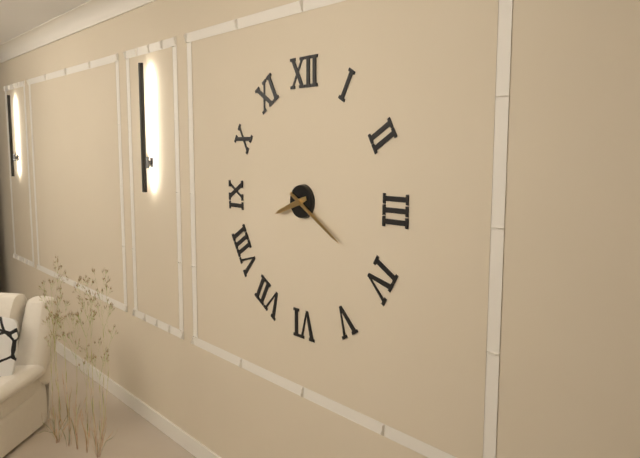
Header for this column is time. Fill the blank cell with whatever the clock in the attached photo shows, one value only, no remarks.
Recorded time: 8:20
